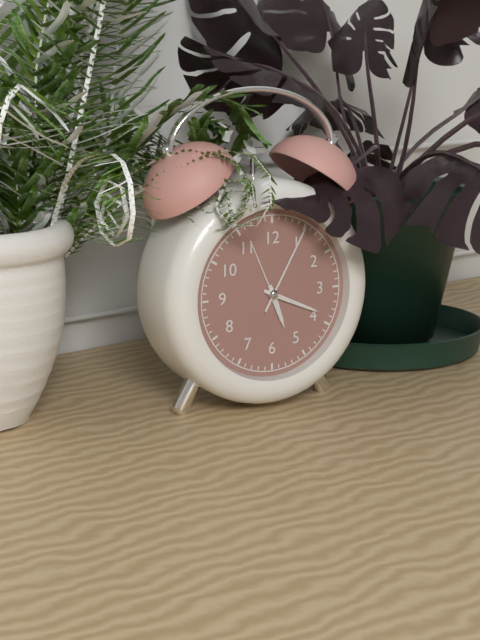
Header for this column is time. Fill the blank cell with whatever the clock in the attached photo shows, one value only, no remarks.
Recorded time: 5:19:05
